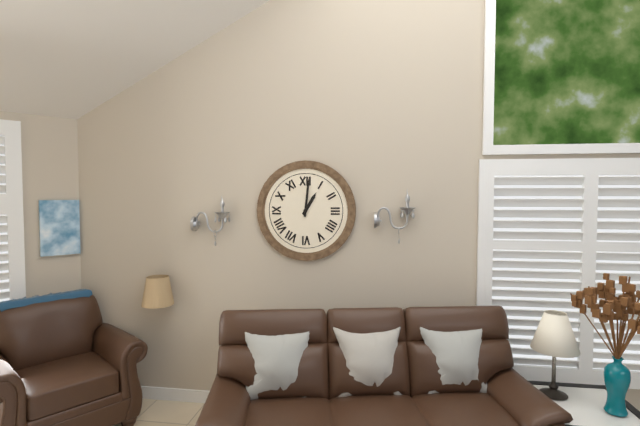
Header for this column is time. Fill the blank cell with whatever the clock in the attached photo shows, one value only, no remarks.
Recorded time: 1:01
